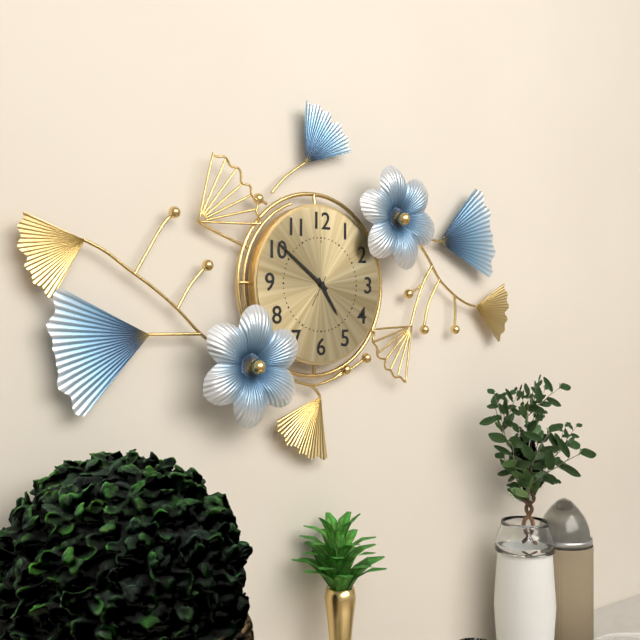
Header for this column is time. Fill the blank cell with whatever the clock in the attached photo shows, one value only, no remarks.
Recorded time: 4:51
